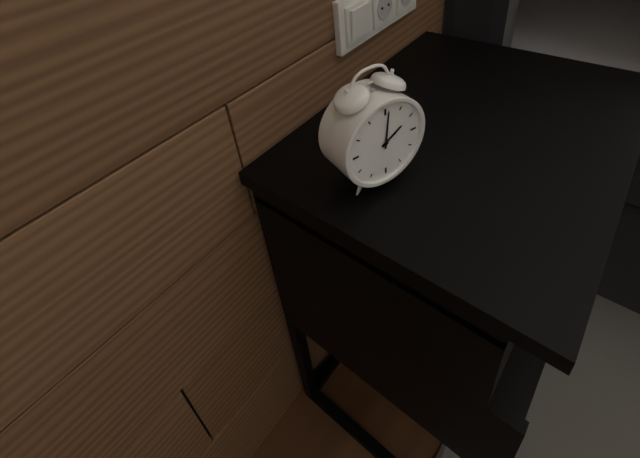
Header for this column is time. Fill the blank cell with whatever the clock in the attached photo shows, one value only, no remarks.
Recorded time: 2:01
